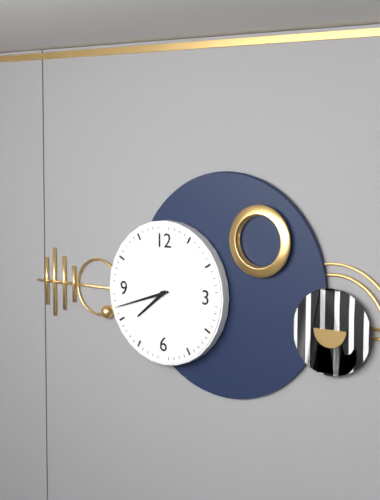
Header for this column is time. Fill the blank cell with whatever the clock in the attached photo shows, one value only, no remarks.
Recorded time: 7:42
